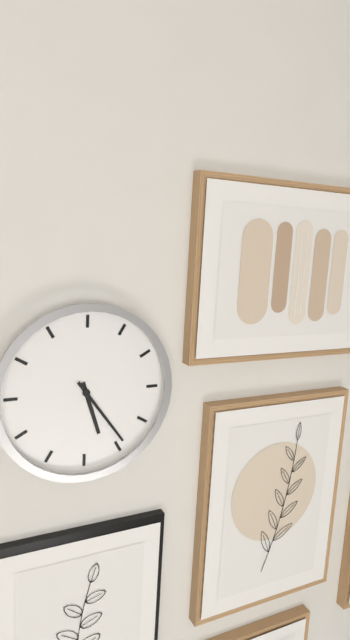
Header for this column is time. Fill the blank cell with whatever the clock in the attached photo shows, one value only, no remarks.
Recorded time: 5:24
